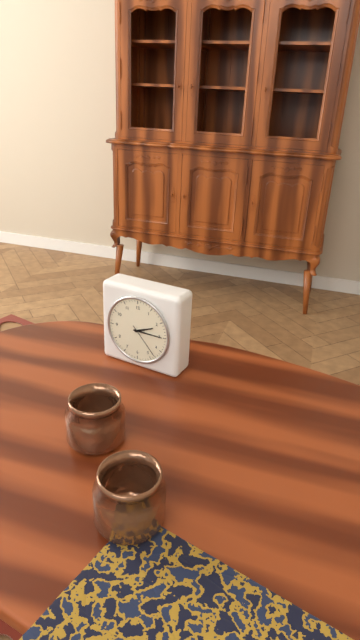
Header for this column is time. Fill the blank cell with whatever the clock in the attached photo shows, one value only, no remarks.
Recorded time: 2:15
